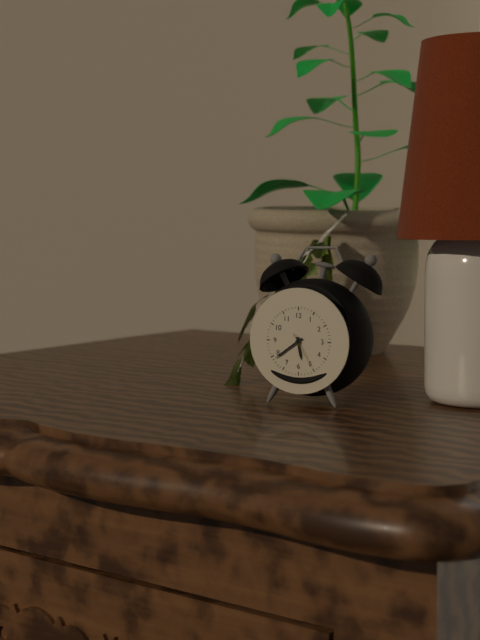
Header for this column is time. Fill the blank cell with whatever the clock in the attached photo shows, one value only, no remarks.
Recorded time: 5:39
